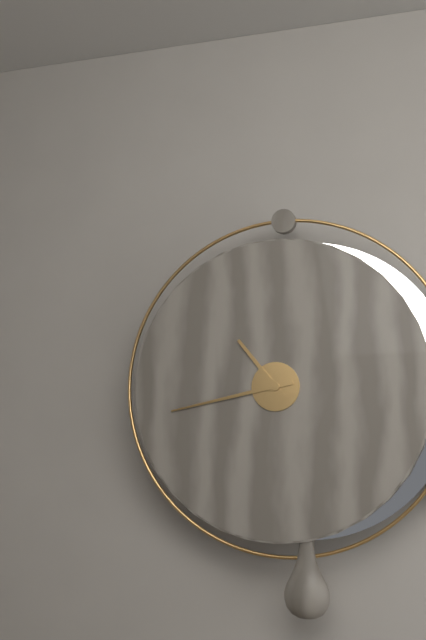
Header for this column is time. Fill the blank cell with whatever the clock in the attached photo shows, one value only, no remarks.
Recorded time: 10:43
